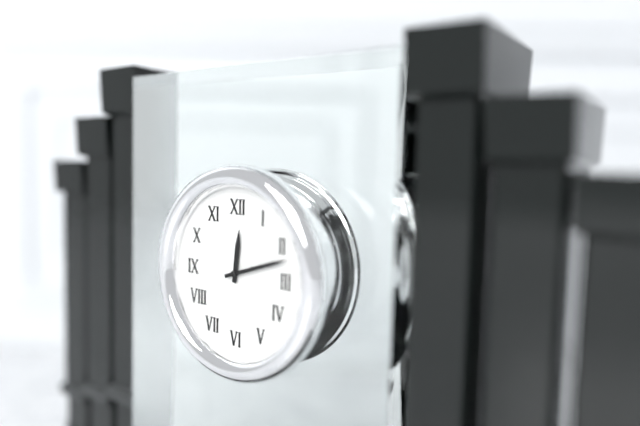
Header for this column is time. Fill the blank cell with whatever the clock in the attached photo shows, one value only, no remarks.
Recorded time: 12:12
